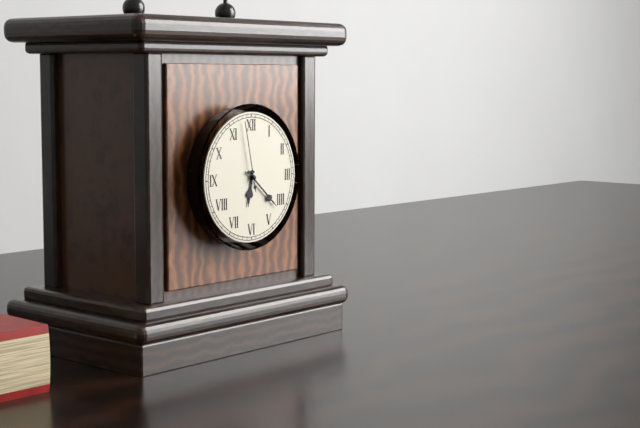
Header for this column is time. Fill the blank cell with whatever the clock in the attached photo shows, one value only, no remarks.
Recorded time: 6:22:58
